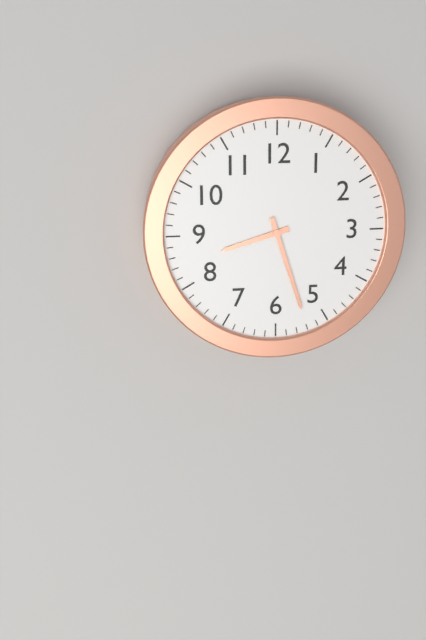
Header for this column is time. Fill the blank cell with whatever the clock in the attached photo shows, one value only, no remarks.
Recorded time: 8:27
